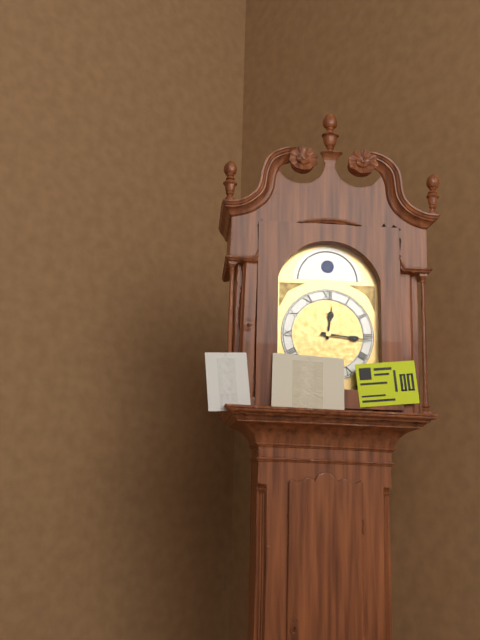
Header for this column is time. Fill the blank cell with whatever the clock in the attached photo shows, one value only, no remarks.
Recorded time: 12:16
